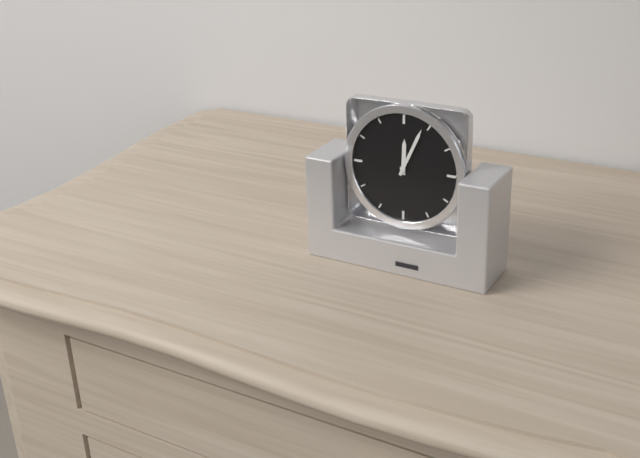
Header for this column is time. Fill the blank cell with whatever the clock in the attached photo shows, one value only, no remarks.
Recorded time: 12:04
